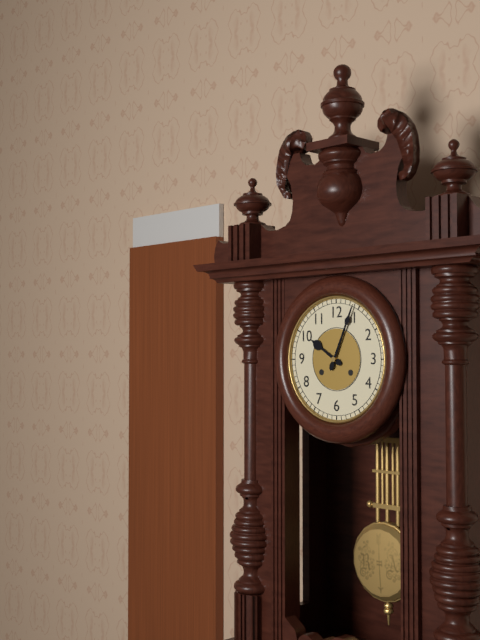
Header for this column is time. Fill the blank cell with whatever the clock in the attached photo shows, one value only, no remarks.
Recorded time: 10:04
